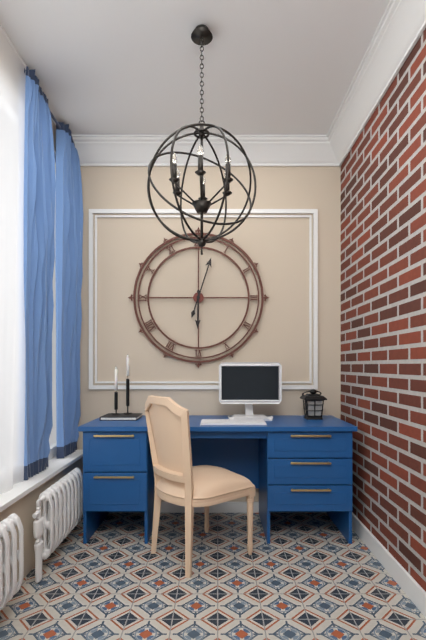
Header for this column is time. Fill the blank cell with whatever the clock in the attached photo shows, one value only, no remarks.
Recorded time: 6:03
